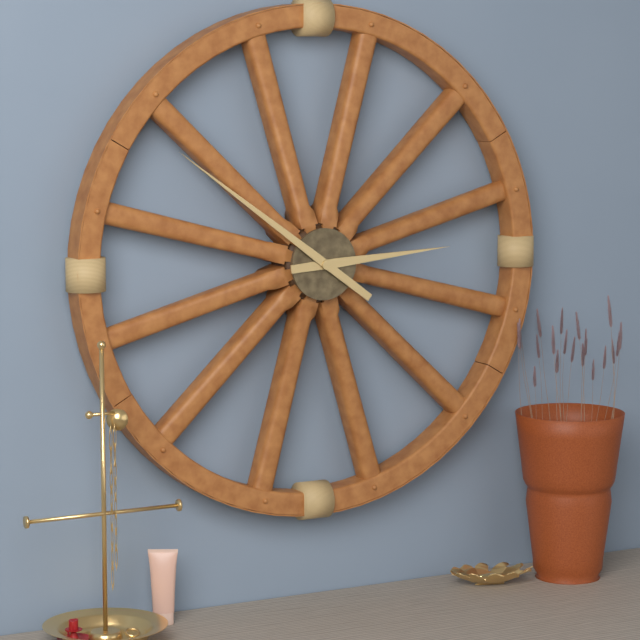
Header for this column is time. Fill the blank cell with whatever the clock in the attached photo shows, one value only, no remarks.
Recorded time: 2:51
